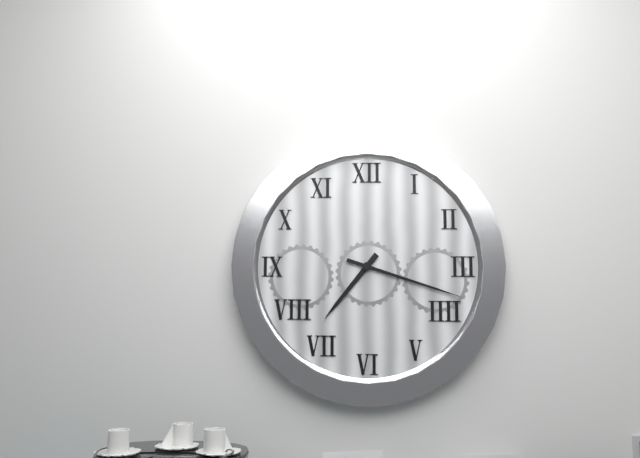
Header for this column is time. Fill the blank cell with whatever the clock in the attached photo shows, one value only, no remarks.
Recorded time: 7:18
